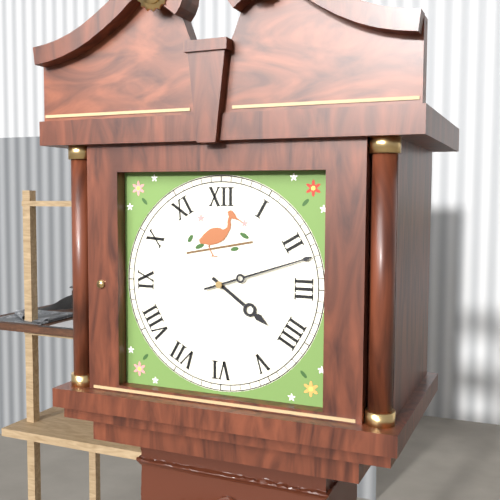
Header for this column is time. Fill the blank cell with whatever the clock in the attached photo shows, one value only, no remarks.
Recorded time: 4:12
